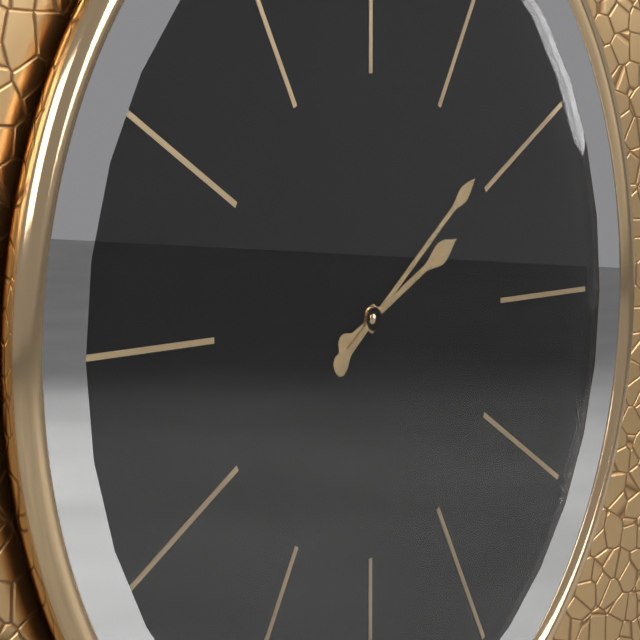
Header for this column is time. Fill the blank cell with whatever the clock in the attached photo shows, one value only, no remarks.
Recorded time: 2:09
